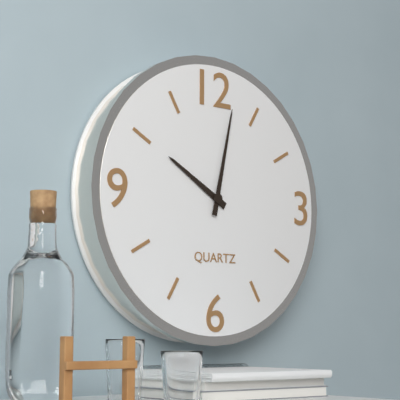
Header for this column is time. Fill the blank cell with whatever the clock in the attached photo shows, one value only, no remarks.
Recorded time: 10:02
